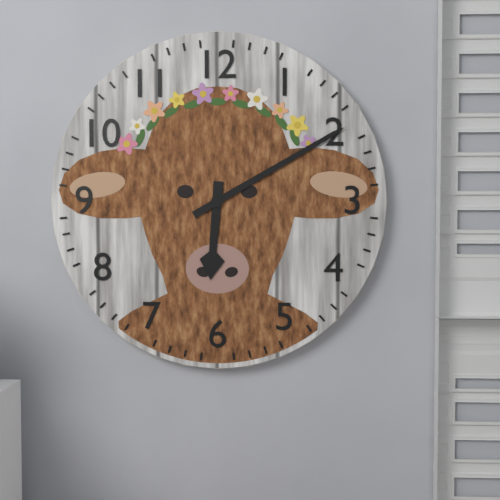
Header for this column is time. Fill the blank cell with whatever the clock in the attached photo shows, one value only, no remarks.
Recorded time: 6:10
